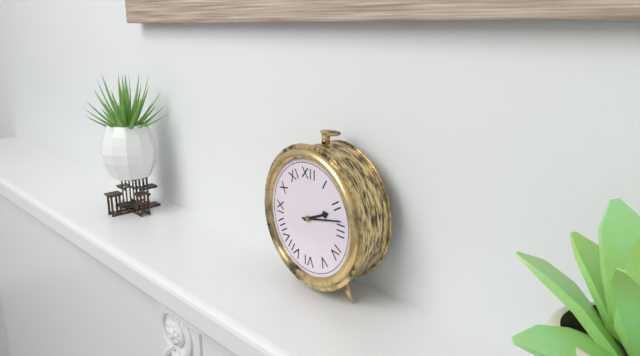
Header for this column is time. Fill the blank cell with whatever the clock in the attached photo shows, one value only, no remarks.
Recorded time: 2:13
